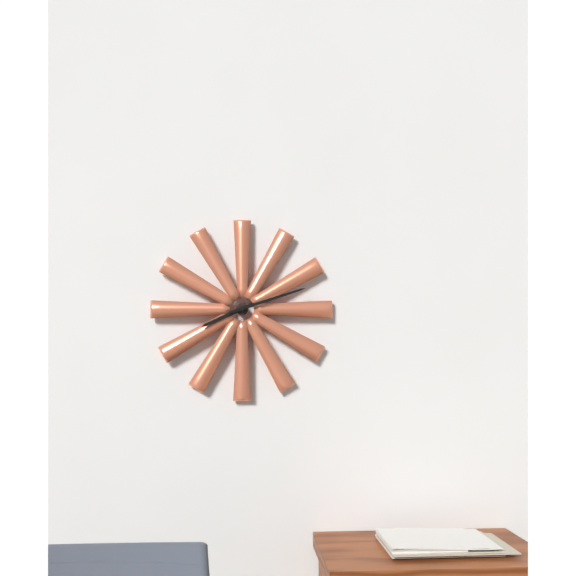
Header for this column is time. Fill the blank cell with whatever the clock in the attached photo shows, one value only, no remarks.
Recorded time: 8:12
